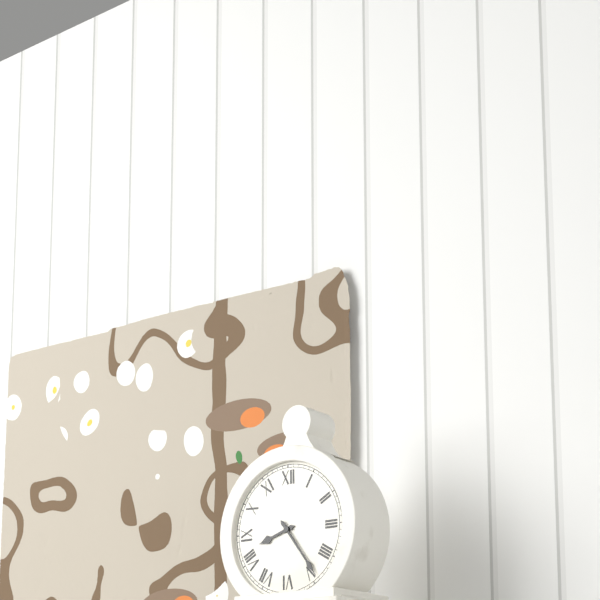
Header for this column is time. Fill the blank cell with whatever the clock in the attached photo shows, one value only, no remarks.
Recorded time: 8:24
